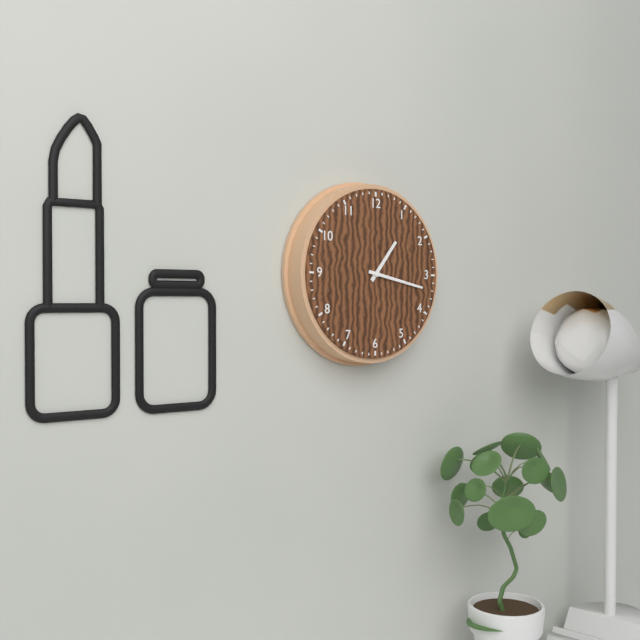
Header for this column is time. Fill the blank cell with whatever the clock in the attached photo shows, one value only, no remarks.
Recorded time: 1:17
